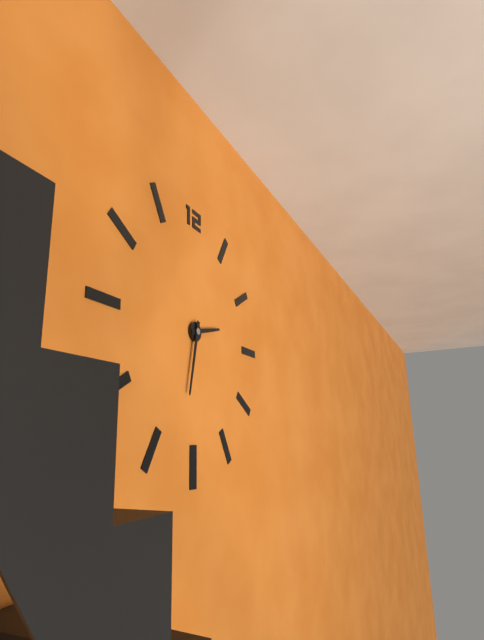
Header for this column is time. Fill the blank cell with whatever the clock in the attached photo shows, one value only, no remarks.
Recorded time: 2:32
